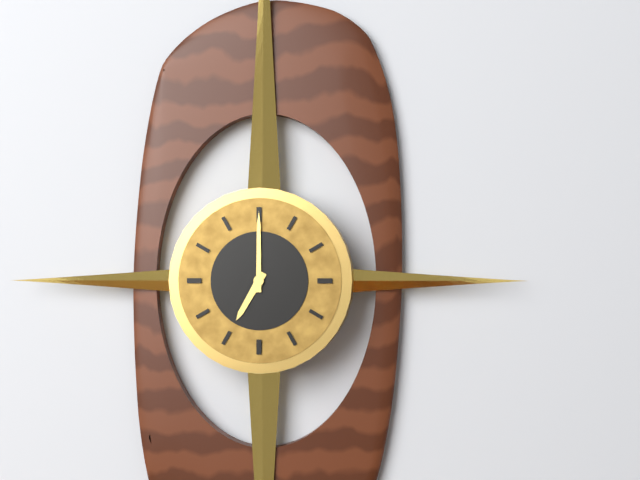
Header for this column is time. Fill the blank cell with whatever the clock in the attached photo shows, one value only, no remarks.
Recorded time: 7:00
